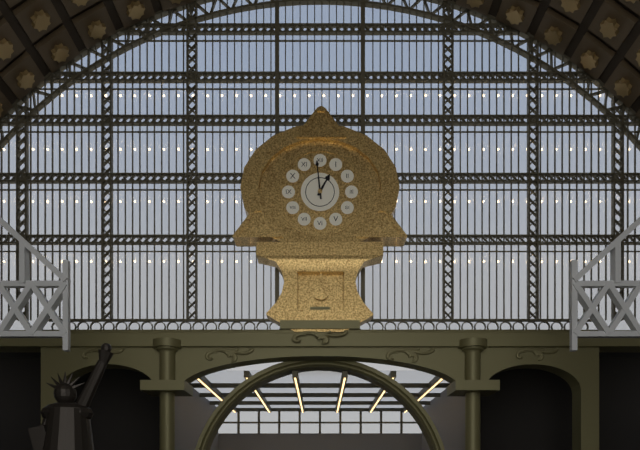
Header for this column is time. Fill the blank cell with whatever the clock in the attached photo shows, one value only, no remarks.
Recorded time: 12:59
